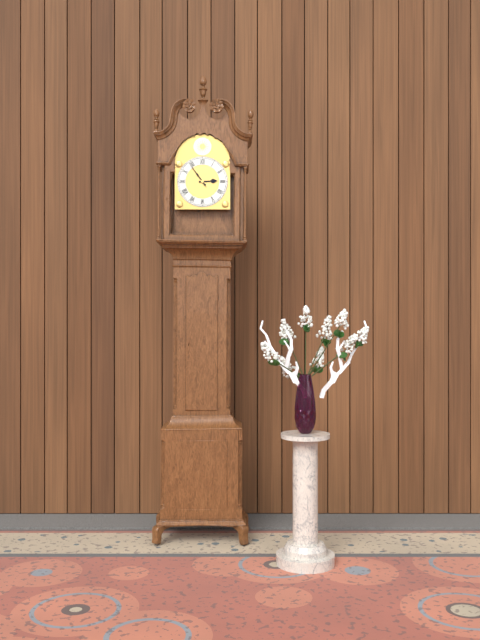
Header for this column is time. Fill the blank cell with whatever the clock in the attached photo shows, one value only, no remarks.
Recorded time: 2:54
